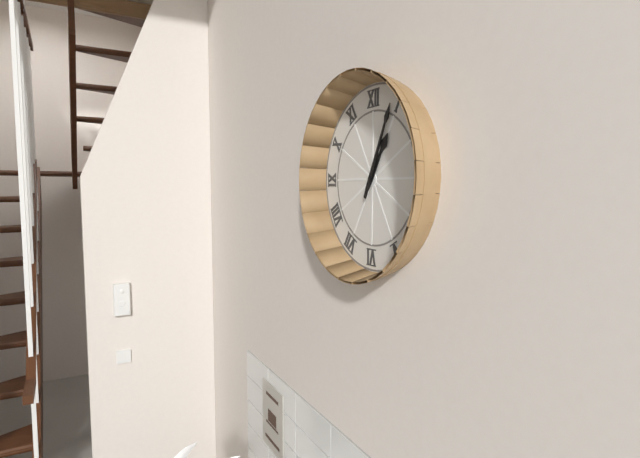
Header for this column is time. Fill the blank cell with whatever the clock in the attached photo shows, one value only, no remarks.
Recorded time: 1:04
